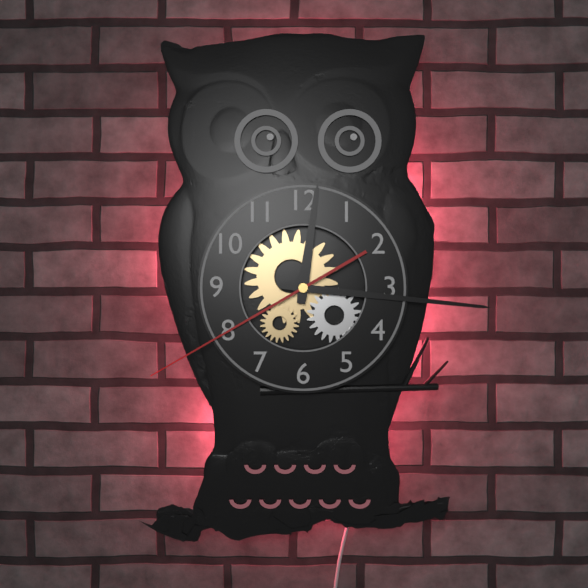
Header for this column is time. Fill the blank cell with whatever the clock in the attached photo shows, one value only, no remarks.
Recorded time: 12:16:40
